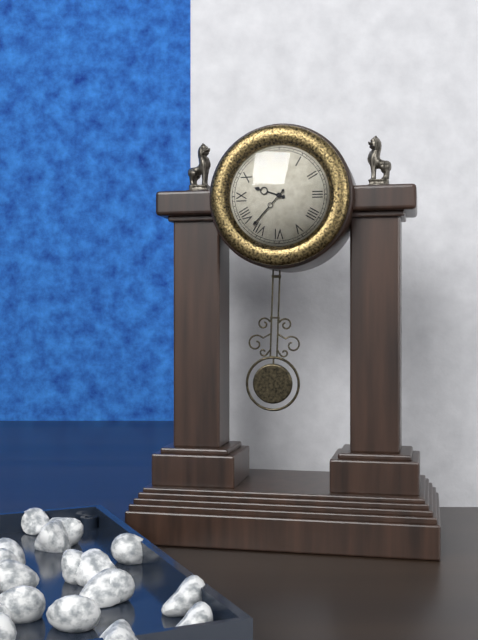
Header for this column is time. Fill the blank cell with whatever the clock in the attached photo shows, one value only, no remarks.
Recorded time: 9:37
